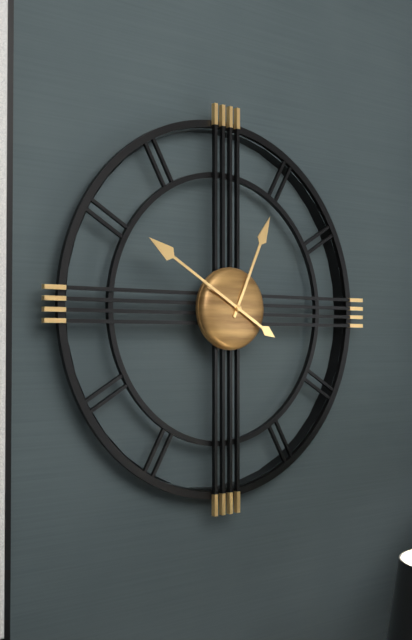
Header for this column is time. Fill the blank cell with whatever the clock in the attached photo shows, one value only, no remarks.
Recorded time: 12:50
